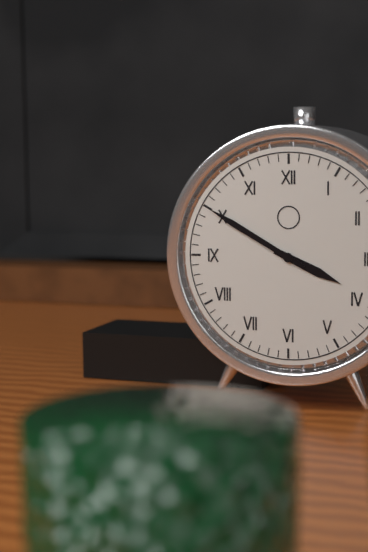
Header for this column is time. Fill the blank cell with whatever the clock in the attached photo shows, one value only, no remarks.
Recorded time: 3:50
